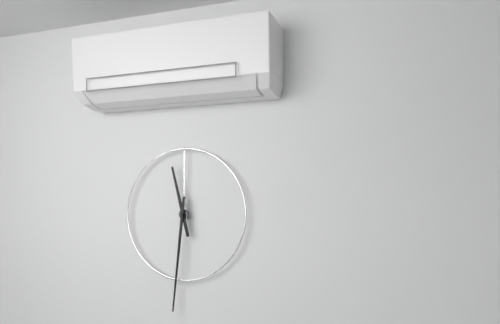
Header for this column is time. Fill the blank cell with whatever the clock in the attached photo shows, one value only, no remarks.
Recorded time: 11:31
